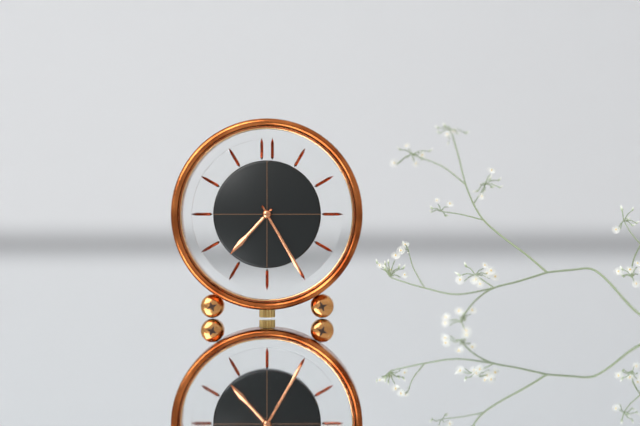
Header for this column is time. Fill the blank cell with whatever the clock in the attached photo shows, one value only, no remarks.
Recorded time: 7:25
